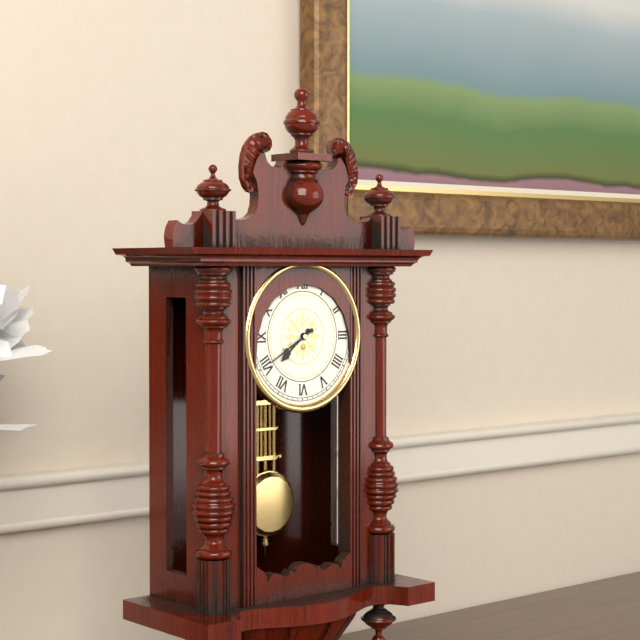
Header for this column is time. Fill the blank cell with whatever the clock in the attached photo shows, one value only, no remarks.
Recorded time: 7:40
